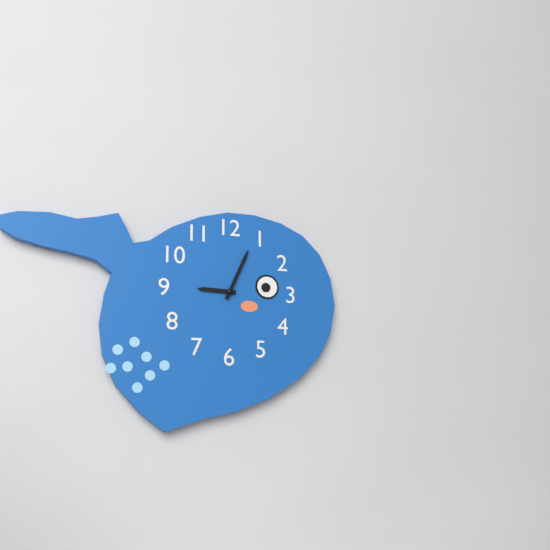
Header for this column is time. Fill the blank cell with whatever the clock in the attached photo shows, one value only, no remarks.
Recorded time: 9:04
